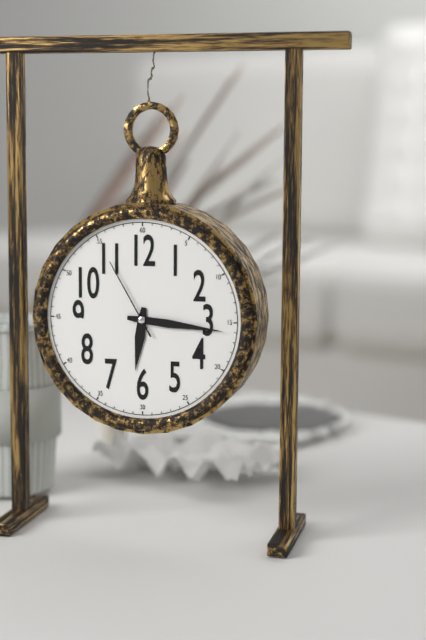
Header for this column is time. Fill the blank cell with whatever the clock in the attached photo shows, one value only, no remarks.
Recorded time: 6:16:55
